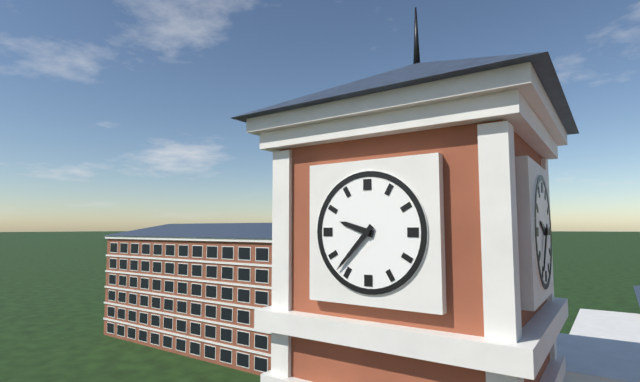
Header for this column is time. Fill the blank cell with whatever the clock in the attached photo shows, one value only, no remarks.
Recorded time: 9:37
